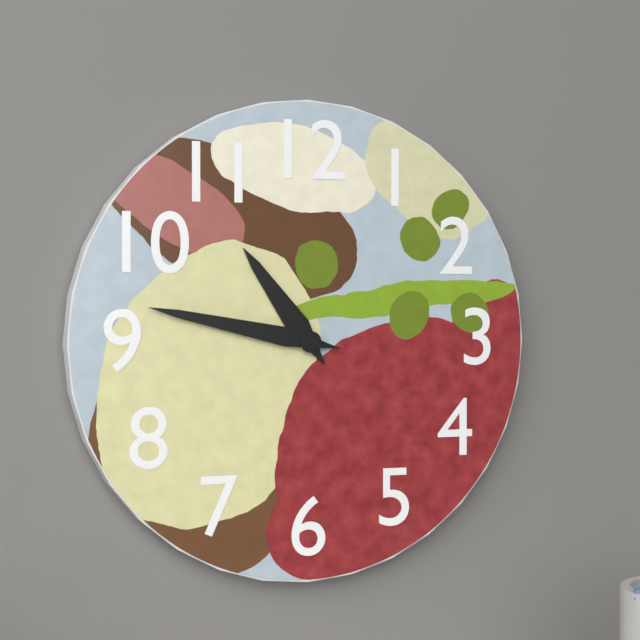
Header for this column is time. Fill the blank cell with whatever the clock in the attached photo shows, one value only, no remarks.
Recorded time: 10:47
